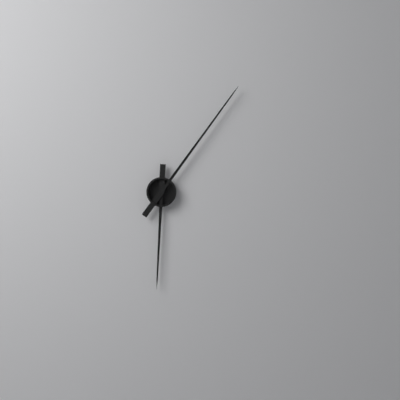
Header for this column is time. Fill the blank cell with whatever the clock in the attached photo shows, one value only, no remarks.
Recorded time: 6:06
